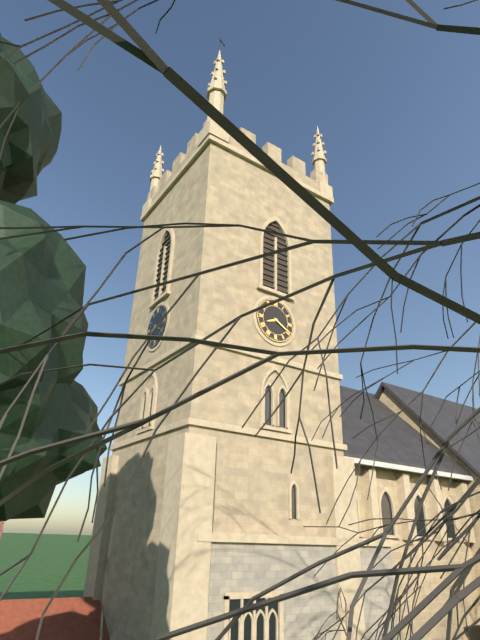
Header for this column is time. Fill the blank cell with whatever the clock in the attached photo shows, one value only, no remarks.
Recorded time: 8:20
